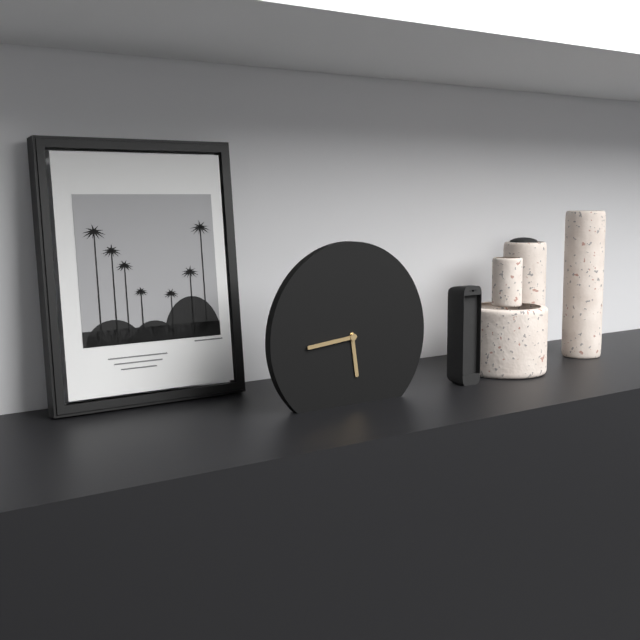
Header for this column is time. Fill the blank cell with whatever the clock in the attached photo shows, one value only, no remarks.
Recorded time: 5:44
